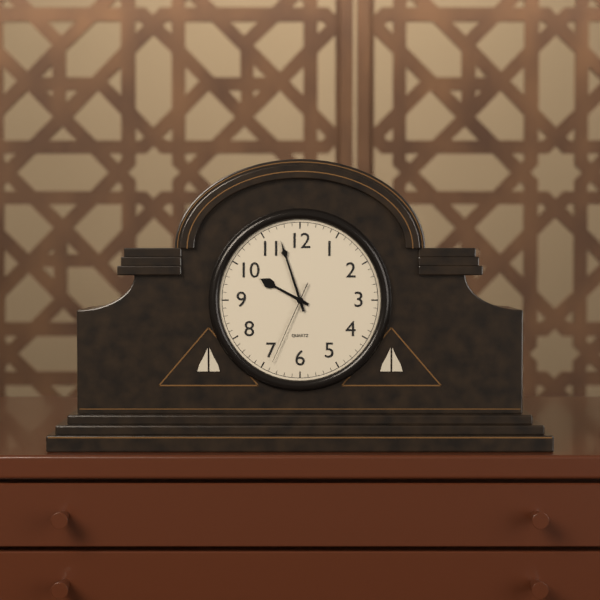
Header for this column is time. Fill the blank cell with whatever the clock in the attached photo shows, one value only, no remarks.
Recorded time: 9:57:34
